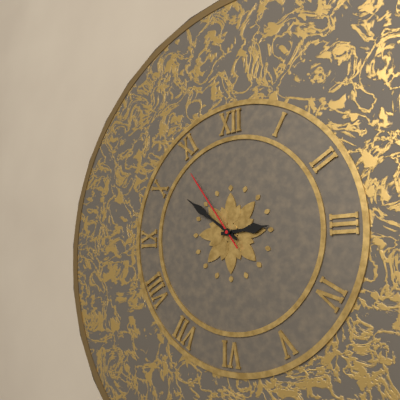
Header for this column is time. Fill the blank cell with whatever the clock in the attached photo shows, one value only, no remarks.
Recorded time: 2:51:54
